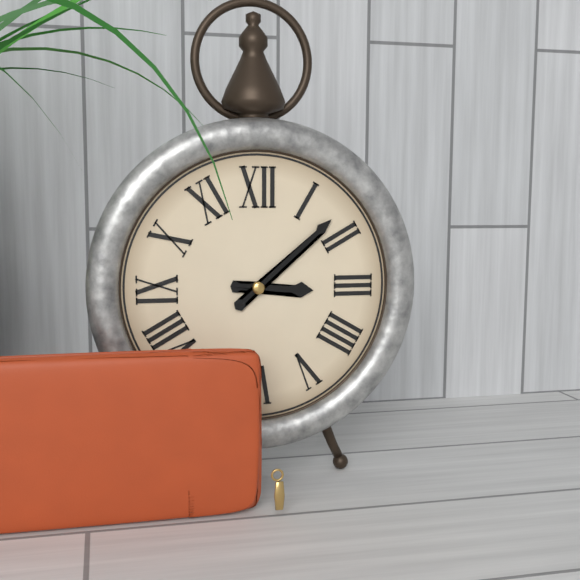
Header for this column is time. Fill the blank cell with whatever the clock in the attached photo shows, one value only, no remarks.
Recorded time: 3:08
